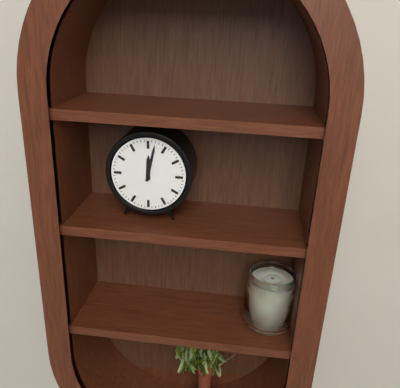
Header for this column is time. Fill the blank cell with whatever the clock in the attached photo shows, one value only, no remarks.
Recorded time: 12:02
